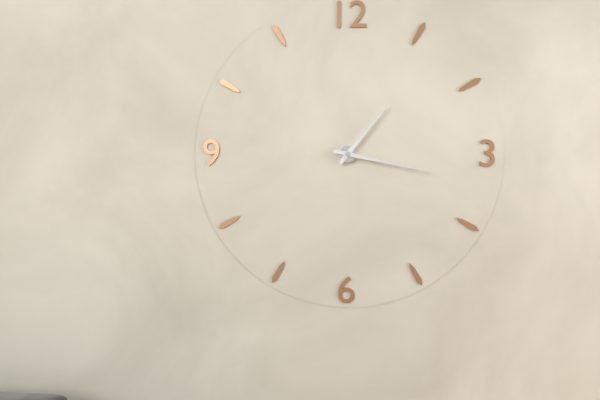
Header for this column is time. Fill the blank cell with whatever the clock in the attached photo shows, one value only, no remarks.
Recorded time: 1:17
